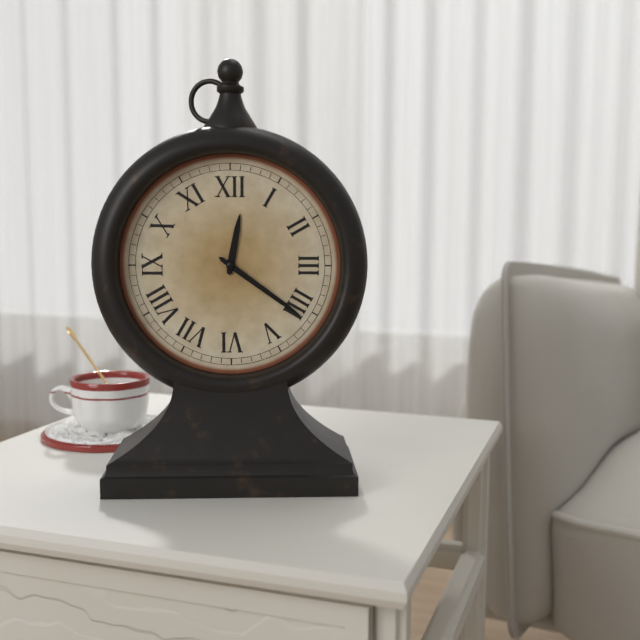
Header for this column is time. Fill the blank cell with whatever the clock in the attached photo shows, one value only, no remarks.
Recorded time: 12:21
